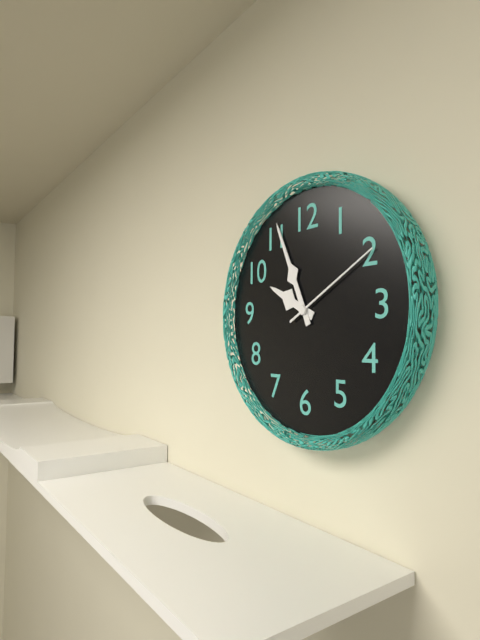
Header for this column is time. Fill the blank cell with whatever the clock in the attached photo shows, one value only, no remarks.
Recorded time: 9:56:10
